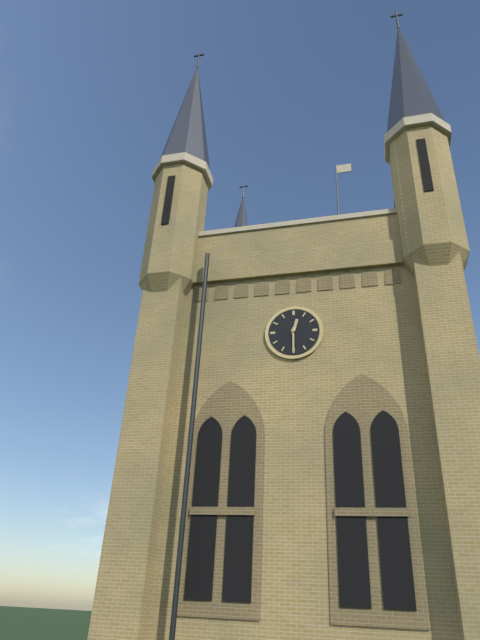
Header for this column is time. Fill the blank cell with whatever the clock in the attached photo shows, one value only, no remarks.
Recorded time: 12:30
